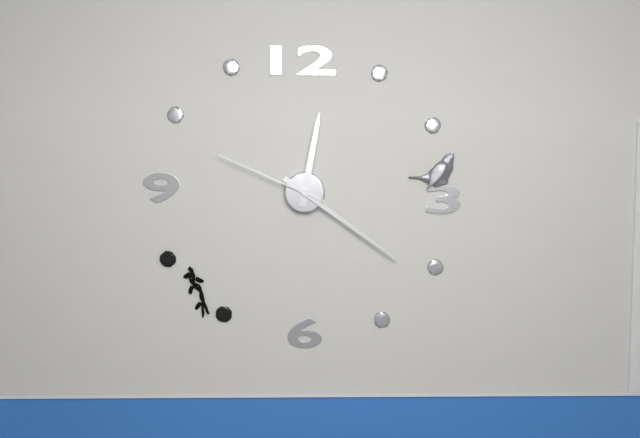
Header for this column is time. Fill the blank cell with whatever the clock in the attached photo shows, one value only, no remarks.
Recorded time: 12:21:49
